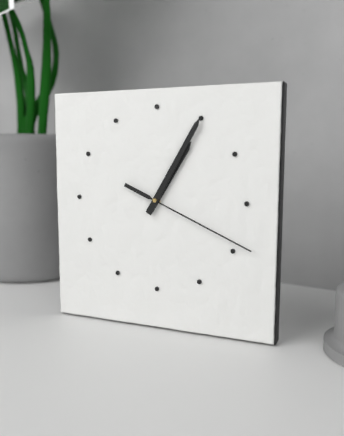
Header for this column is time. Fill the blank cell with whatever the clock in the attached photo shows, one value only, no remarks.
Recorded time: 1:05:19
